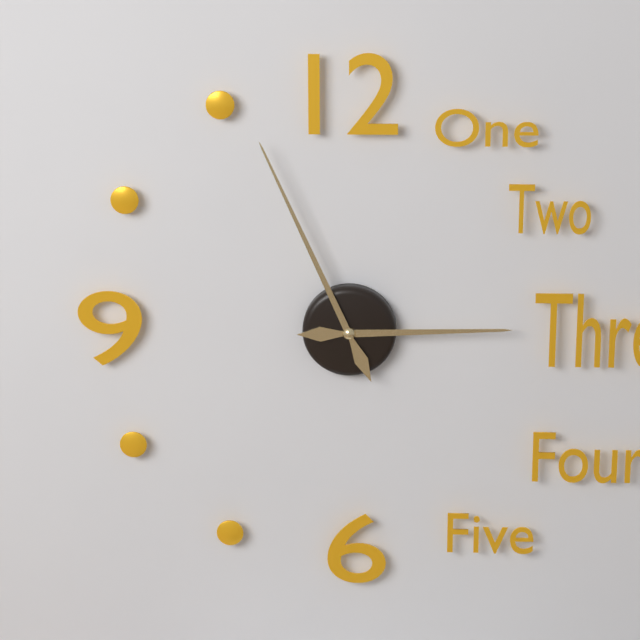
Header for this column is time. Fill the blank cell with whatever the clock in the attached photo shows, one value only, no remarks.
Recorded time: 2:56
